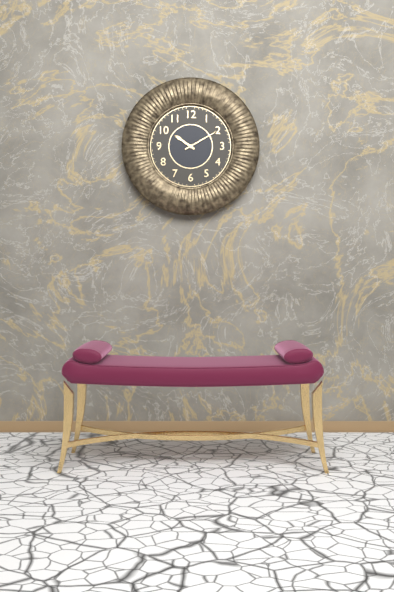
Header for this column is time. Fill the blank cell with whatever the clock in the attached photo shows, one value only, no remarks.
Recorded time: 10:10
